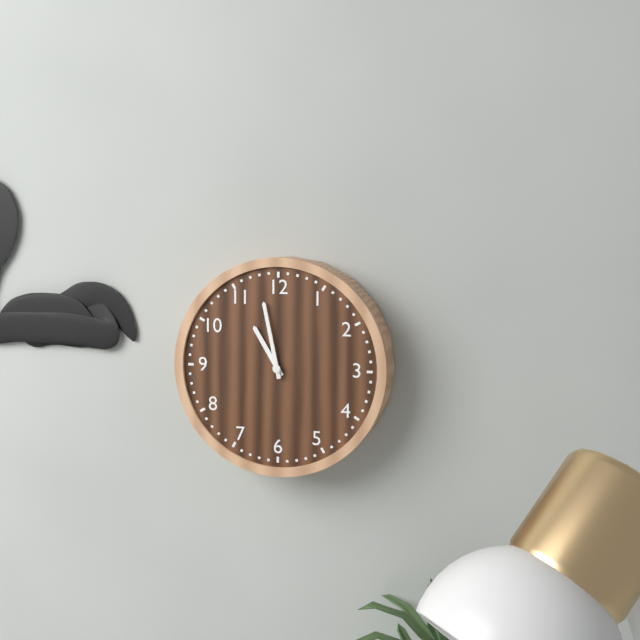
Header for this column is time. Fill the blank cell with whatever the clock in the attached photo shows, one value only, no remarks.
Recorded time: 10:58
